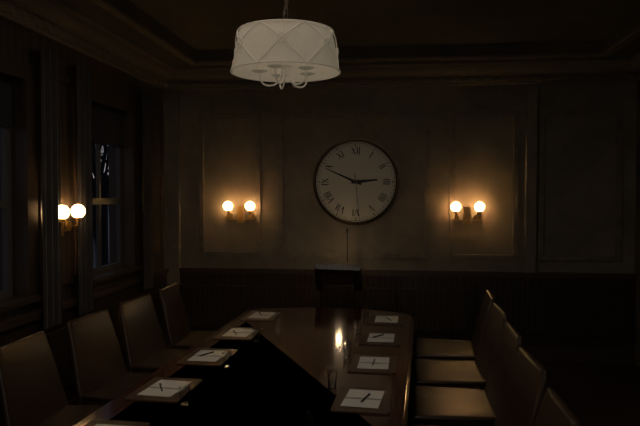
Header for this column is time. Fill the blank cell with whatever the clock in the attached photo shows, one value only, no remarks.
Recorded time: 2:49
